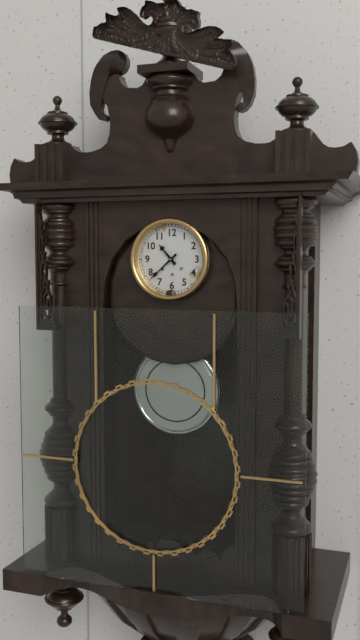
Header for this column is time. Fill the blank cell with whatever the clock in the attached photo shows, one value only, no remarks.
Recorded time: 10:38
